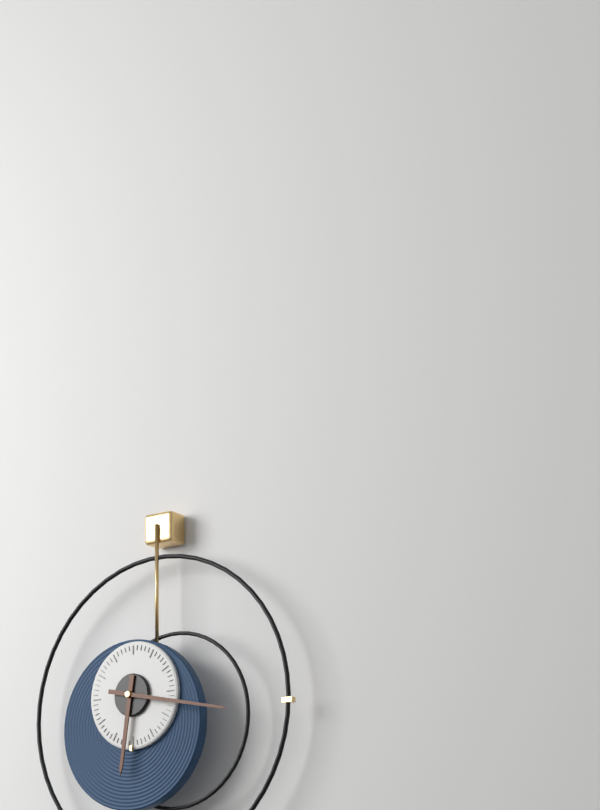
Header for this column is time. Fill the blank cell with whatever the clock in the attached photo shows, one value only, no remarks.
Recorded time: 6:17
